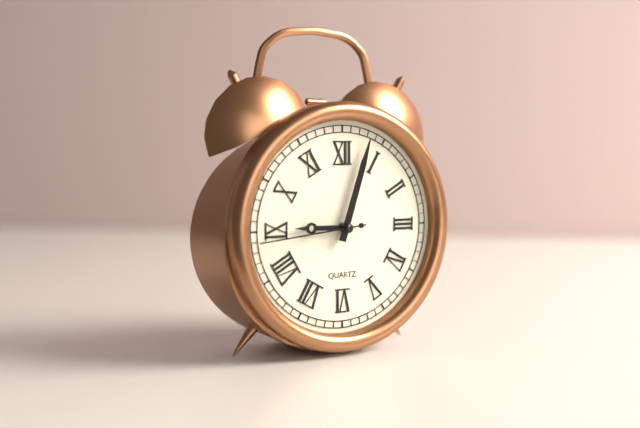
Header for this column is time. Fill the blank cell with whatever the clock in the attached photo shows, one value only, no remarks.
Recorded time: 9:03:44
